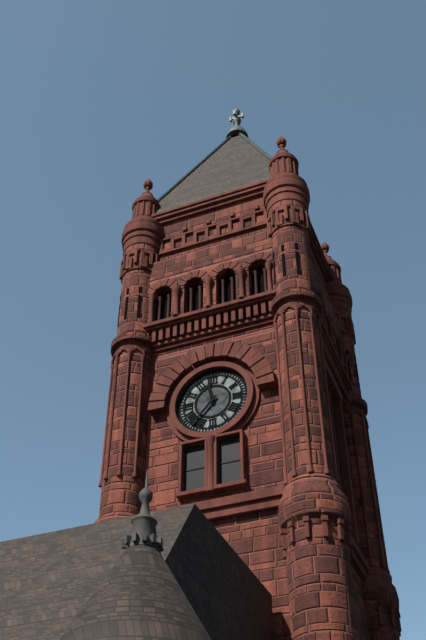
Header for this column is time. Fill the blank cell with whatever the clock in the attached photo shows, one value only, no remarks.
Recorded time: 11:37
